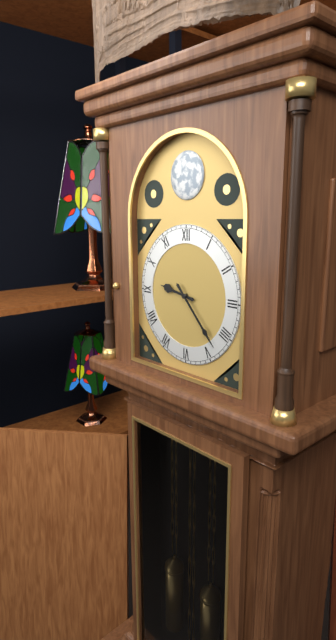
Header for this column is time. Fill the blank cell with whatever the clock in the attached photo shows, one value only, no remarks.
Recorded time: 9:23
